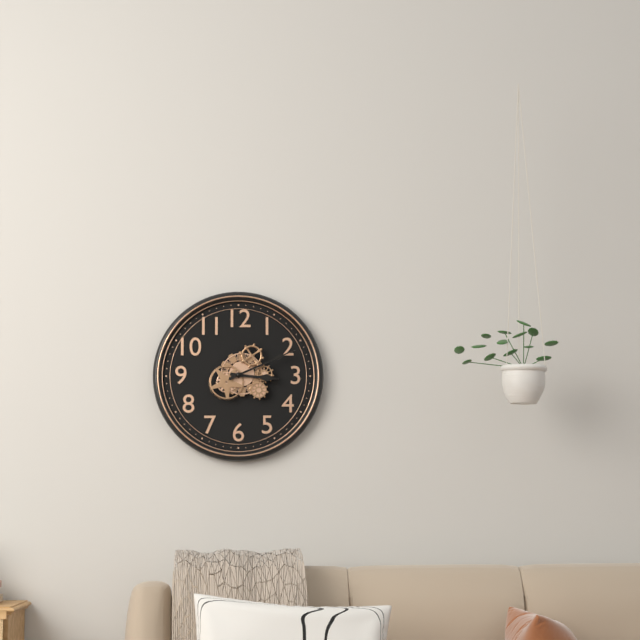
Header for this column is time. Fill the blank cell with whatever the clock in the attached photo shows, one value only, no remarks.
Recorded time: 3:11
